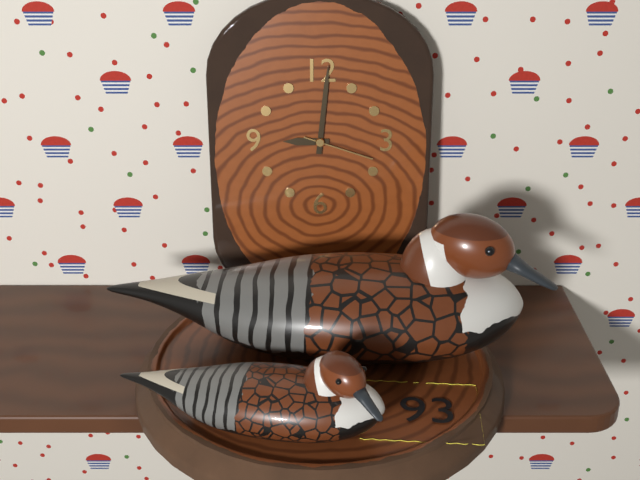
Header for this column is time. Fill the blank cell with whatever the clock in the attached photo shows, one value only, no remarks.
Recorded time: 9:01:18
